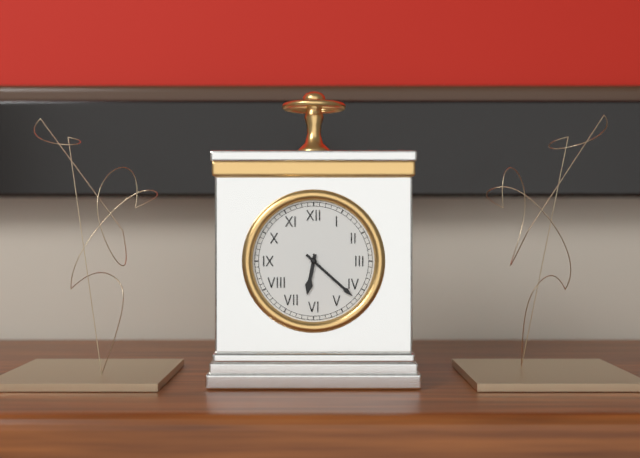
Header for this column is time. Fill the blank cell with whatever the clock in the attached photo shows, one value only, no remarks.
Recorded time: 6:22
